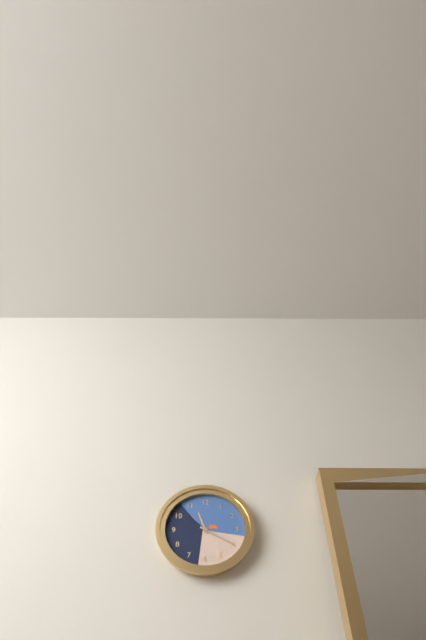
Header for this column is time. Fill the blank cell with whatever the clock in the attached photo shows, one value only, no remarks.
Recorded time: 11:20
